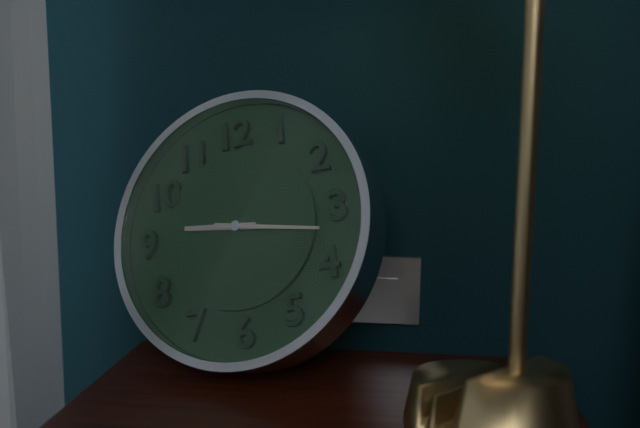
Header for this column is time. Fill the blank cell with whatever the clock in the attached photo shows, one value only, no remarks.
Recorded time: 9:17
